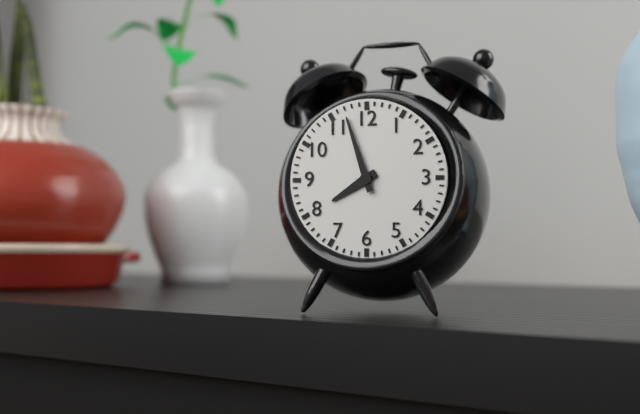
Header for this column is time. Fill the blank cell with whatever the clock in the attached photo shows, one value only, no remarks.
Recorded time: 7:57
